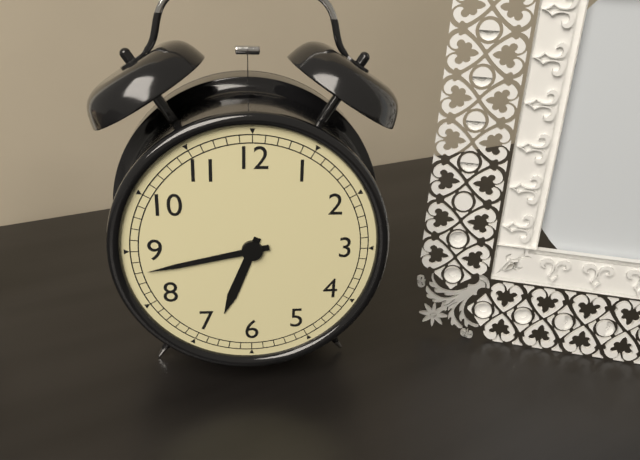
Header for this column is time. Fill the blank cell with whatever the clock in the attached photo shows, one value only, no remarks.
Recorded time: 6:43
